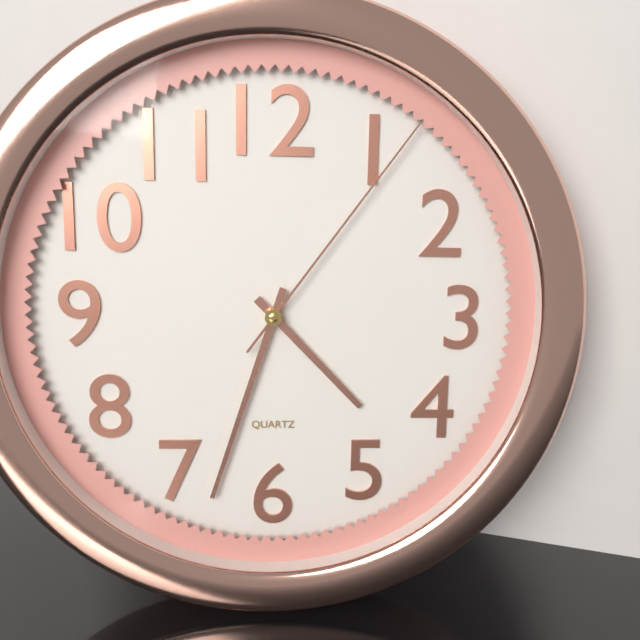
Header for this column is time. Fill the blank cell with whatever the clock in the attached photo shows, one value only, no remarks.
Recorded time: 4:33:06
